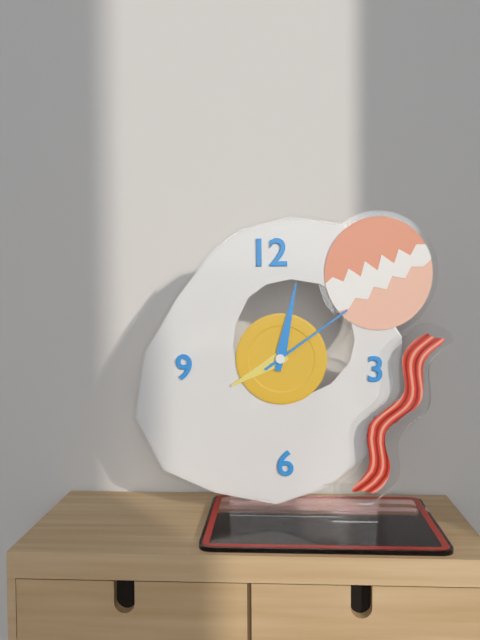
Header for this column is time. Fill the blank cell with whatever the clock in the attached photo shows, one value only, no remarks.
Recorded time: 8:02:09
